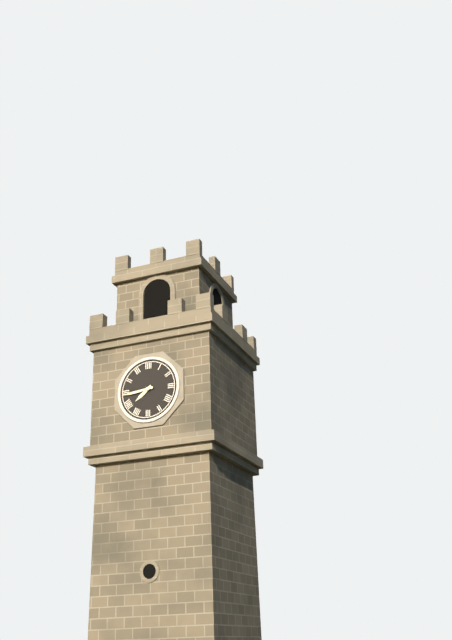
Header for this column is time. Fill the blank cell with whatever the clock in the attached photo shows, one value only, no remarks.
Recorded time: 7:44
